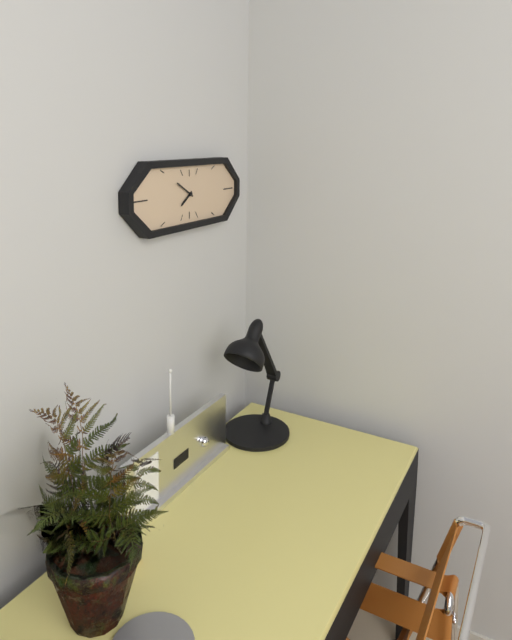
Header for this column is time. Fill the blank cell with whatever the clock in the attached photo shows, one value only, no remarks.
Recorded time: 7:50
